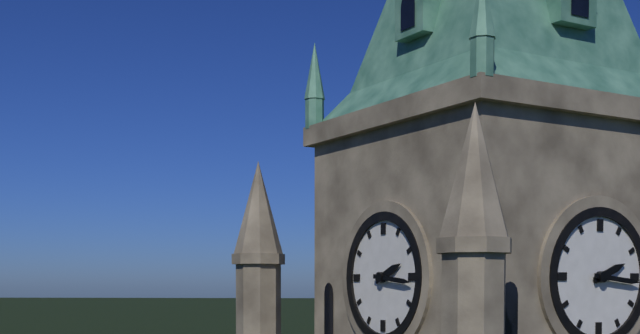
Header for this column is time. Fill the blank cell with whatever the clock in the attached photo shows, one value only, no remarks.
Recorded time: 2:16
